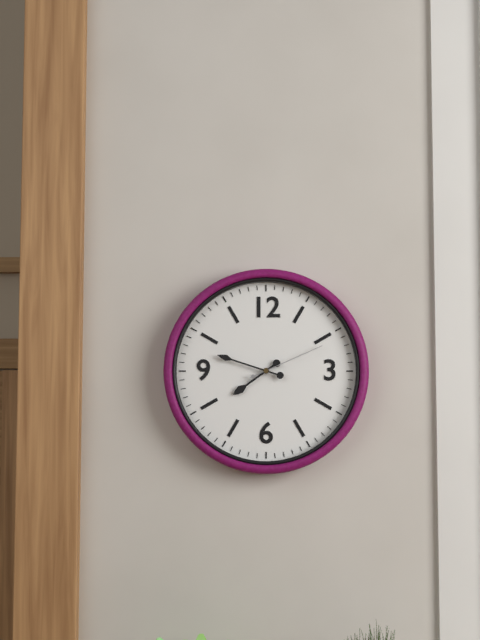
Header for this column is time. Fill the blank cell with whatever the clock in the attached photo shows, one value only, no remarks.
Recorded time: 7:48:11
